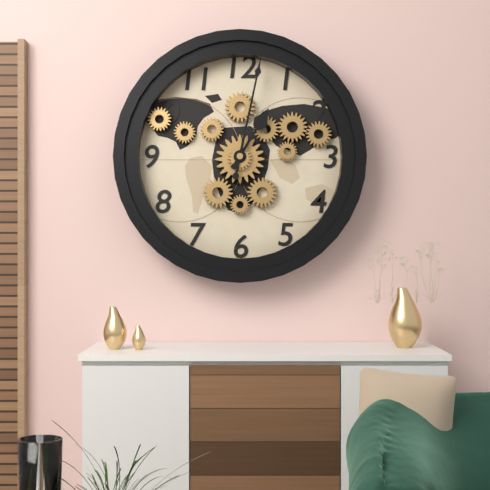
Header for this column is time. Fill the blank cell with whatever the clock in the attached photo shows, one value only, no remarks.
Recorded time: 1:02
